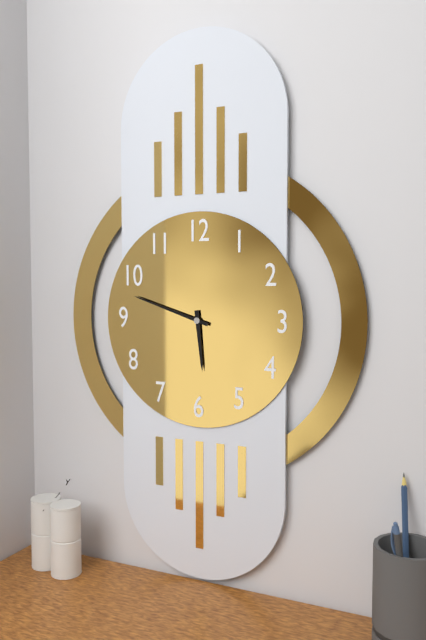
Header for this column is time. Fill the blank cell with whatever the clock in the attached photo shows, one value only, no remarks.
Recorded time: 5:48
